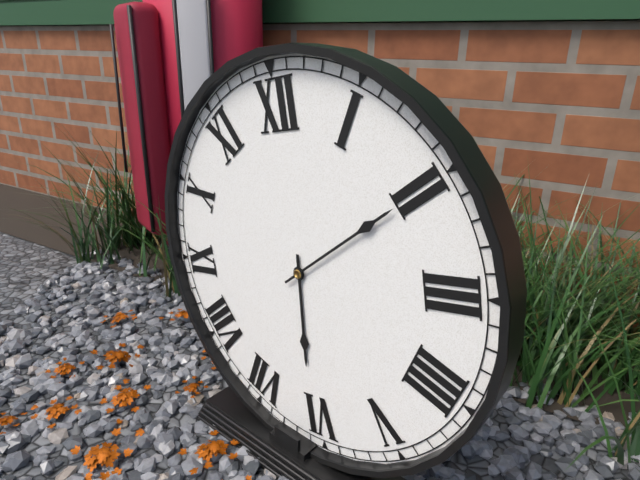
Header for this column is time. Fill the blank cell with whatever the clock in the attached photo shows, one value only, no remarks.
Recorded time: 6:10
